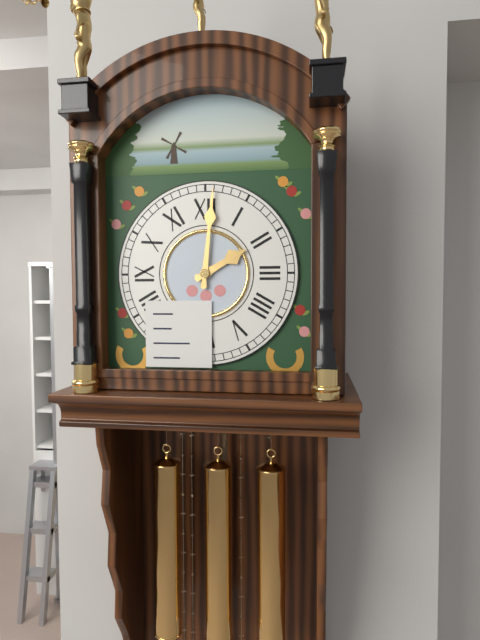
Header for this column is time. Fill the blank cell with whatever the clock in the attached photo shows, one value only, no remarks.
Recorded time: 2:01
